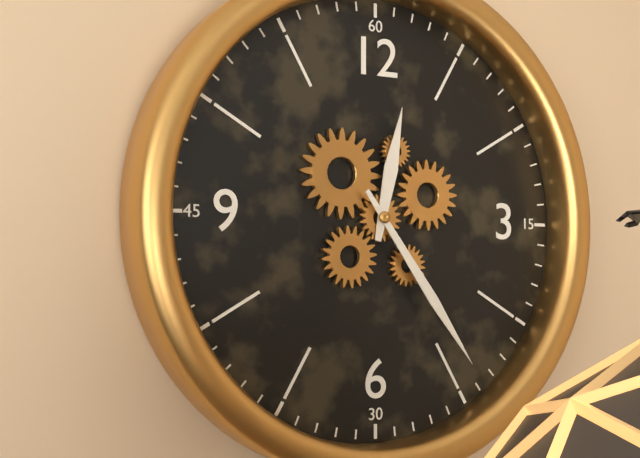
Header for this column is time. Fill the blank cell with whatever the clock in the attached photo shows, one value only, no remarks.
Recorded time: 12:24
